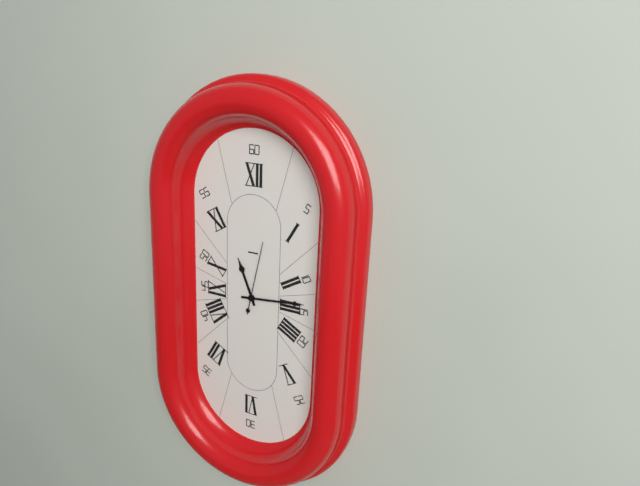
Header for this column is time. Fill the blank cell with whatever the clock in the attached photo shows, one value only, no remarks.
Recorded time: 11:14:02
